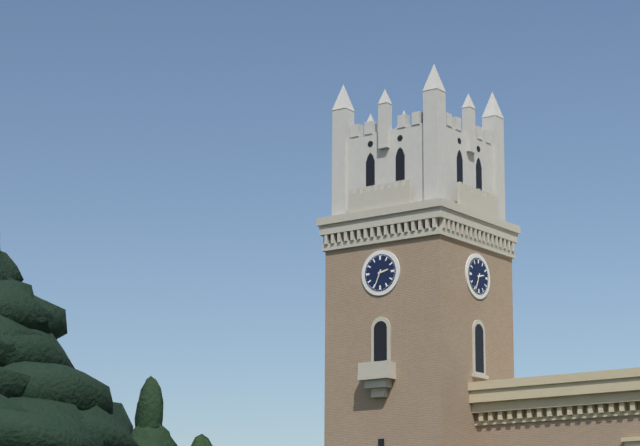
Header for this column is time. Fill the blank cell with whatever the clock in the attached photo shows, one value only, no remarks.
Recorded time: 2:34
